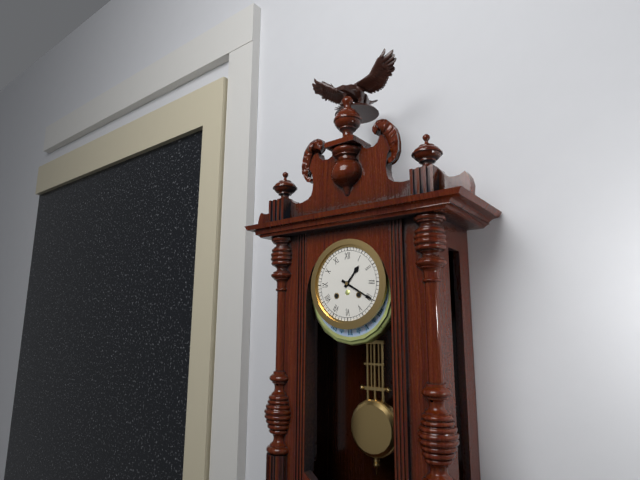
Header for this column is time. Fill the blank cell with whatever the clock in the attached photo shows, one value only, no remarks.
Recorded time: 1:20
